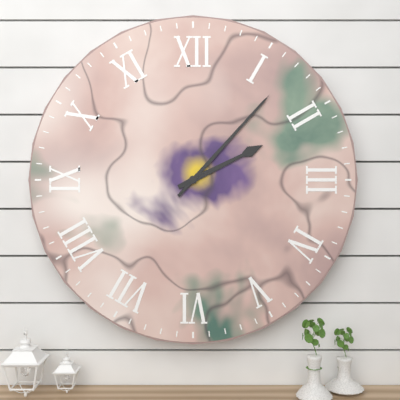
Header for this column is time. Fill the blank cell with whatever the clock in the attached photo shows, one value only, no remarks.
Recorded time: 2:07
